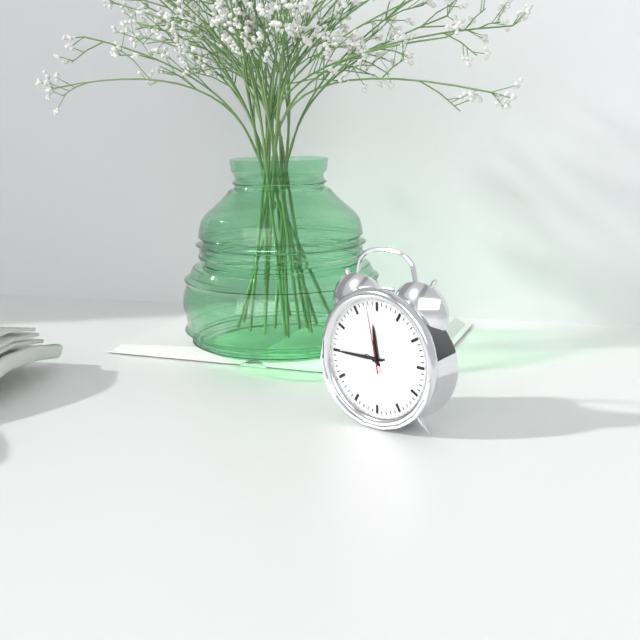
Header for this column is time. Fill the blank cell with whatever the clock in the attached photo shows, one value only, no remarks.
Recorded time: 11:45:58
